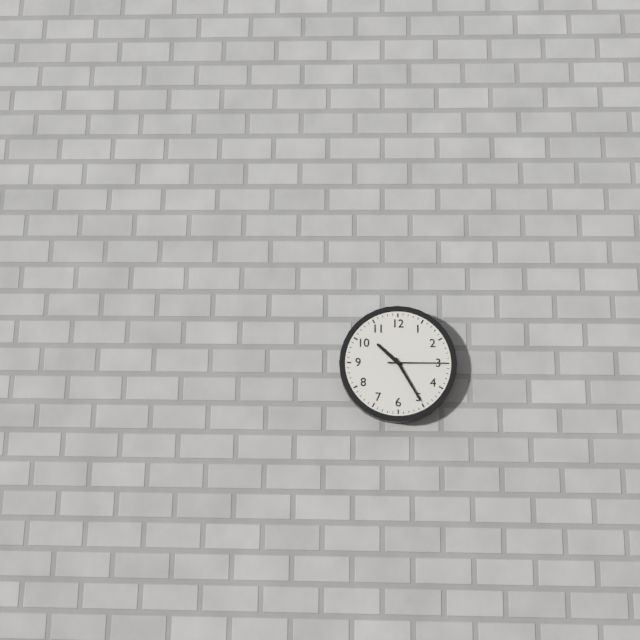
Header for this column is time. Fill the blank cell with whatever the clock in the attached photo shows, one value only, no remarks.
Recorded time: 10:25:15
